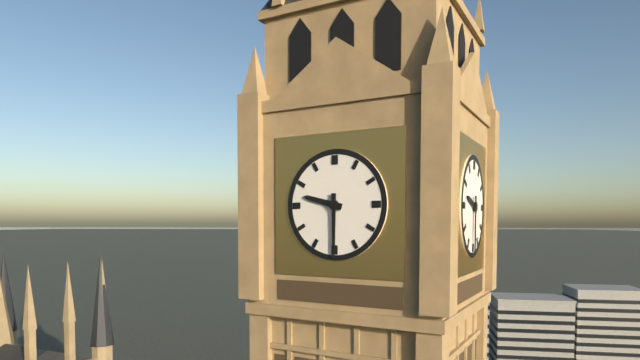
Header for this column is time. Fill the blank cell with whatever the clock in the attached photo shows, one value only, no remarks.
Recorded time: 9:30
